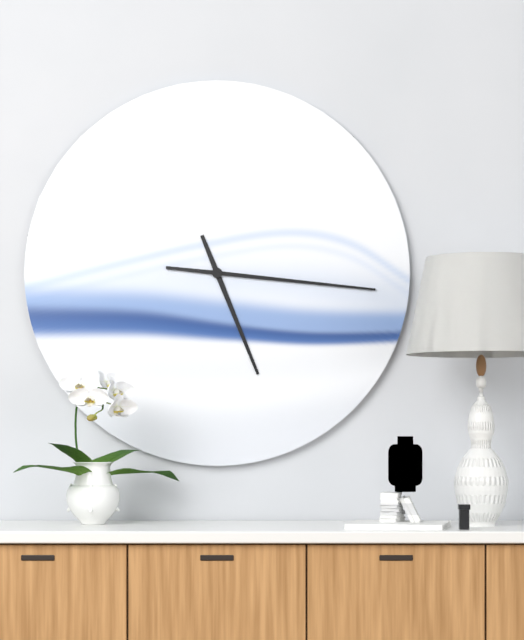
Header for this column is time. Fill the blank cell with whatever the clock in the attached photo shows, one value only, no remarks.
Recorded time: 5:16
